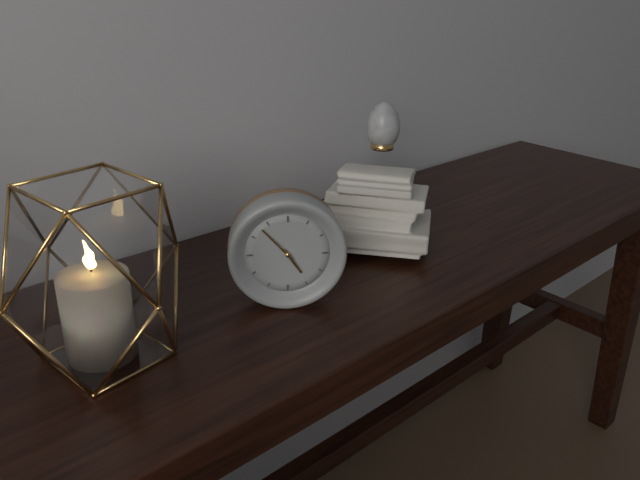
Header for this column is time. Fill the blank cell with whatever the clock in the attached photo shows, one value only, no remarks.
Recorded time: 4:53
